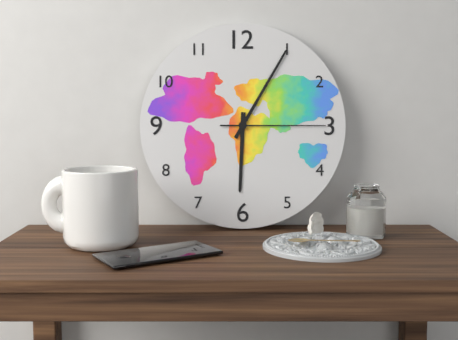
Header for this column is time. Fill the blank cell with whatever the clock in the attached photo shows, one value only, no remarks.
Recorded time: 6:05:15
